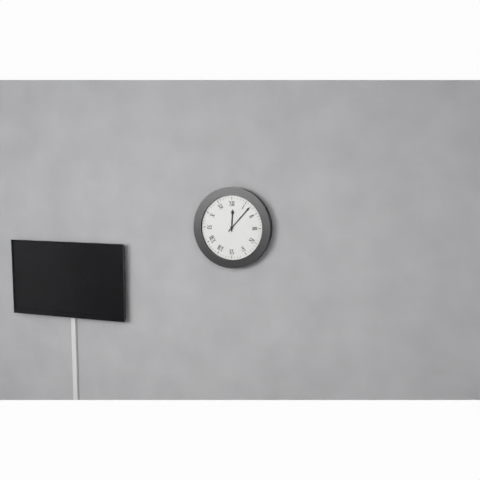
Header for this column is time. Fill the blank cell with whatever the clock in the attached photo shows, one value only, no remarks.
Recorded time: 12:07
